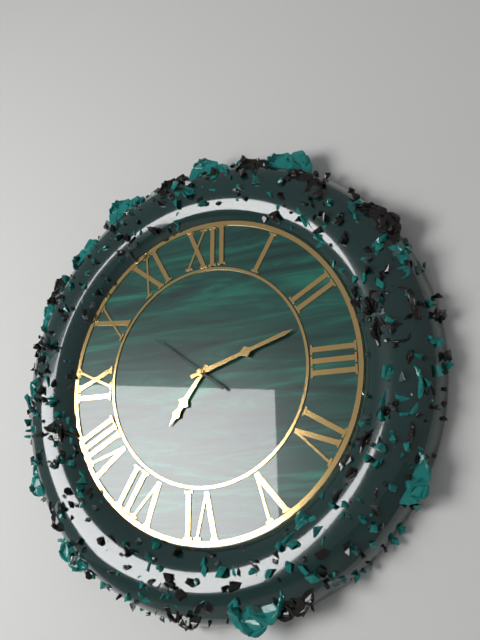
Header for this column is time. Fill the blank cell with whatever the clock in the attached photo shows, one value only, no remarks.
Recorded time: 7:12:51
